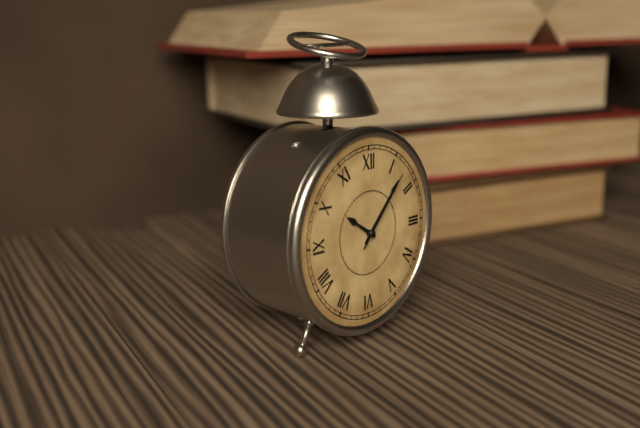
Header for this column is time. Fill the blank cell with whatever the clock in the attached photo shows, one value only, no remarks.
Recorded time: 10:07:07
